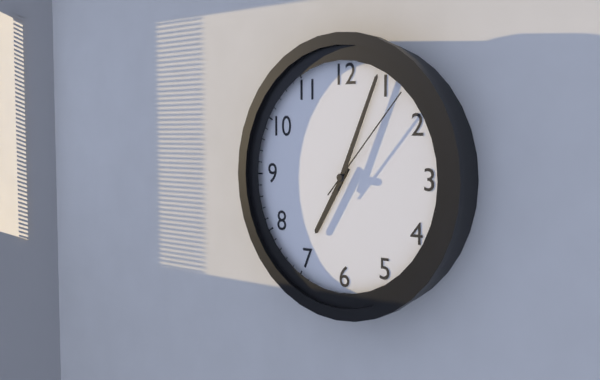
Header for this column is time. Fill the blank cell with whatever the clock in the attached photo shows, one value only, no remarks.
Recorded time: 7:04:07
